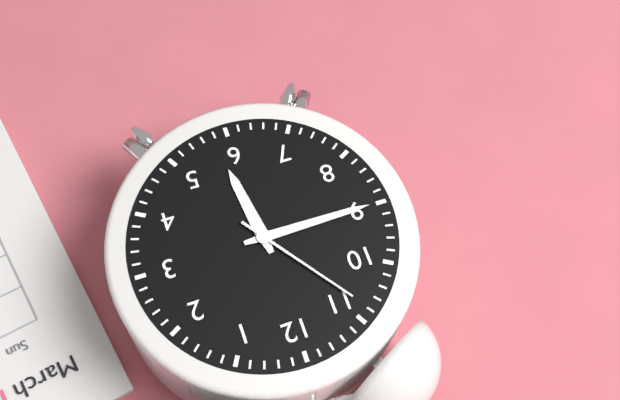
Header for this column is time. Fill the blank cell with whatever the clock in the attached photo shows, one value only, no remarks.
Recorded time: 5:45:54
